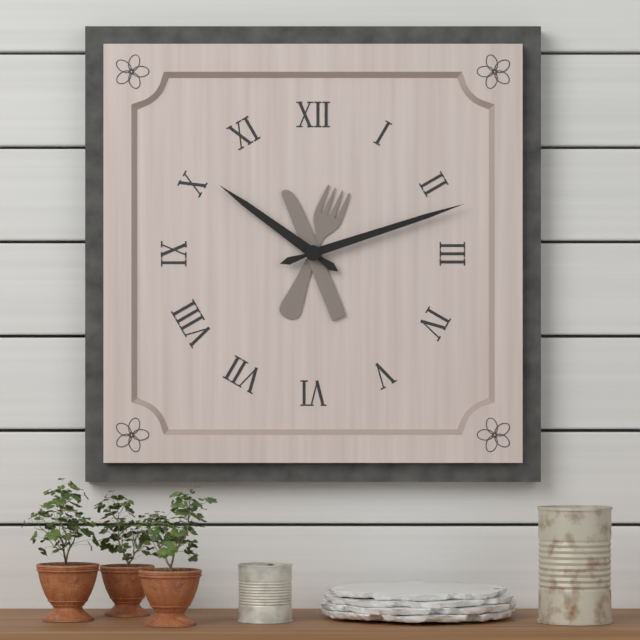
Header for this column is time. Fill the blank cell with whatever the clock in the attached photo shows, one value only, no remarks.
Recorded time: 10:12
